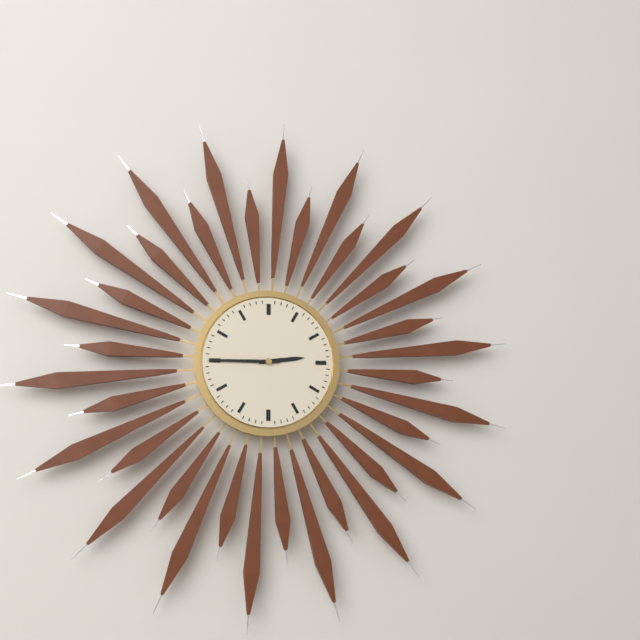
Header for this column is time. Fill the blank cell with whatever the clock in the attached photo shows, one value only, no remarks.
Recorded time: 2:45
